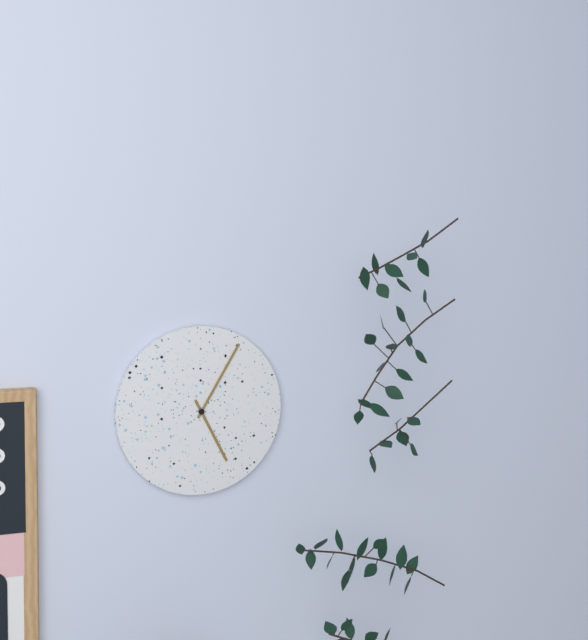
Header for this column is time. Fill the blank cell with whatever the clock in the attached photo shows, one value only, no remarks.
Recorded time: 5:05
